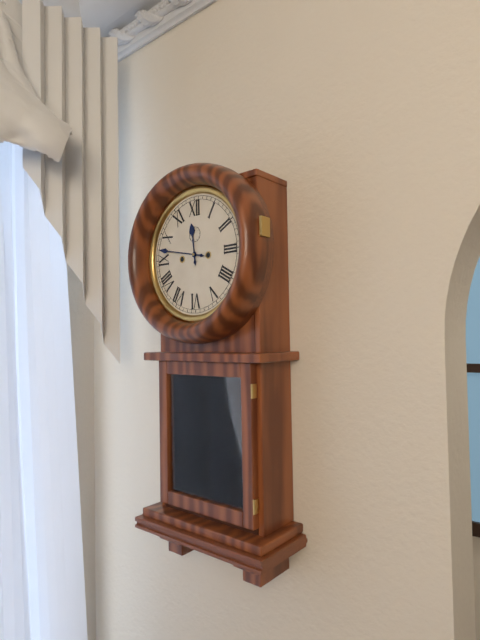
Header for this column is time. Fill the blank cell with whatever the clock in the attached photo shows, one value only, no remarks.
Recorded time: 11:47
